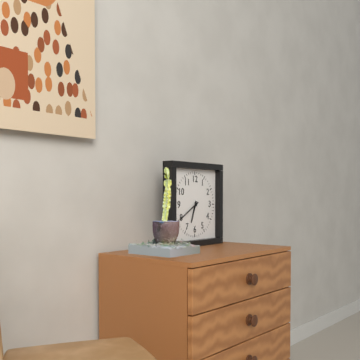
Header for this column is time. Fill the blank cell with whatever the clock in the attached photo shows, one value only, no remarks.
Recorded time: 6:40
